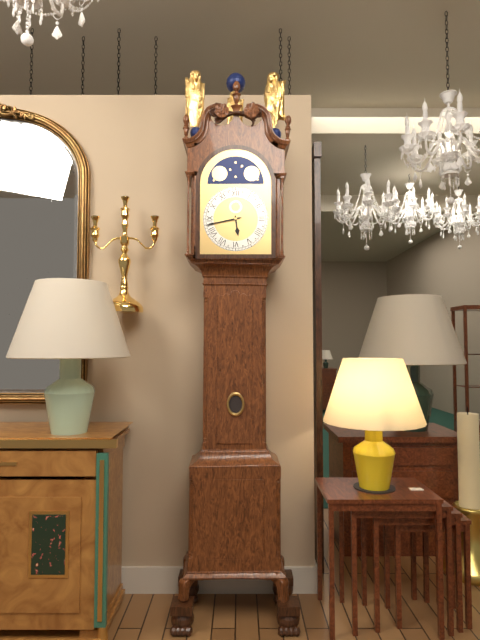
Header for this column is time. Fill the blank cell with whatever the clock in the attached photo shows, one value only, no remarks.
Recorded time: 5:43
